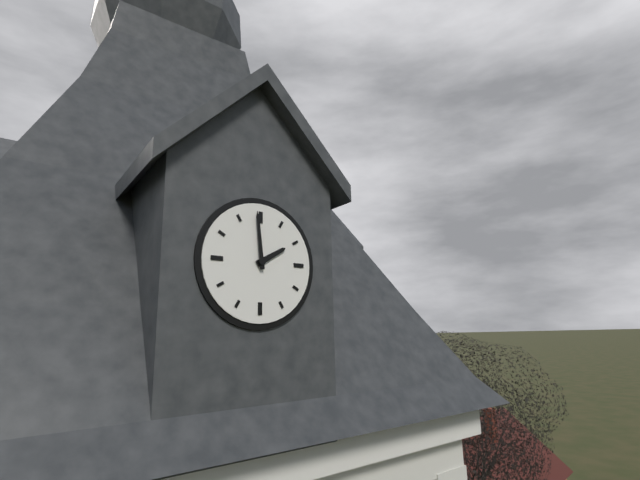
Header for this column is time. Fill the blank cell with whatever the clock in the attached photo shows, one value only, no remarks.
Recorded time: 1:59
